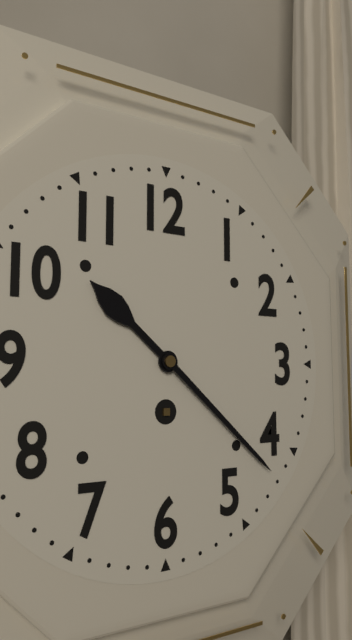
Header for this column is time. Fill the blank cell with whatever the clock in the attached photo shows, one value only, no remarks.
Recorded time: 10:22
